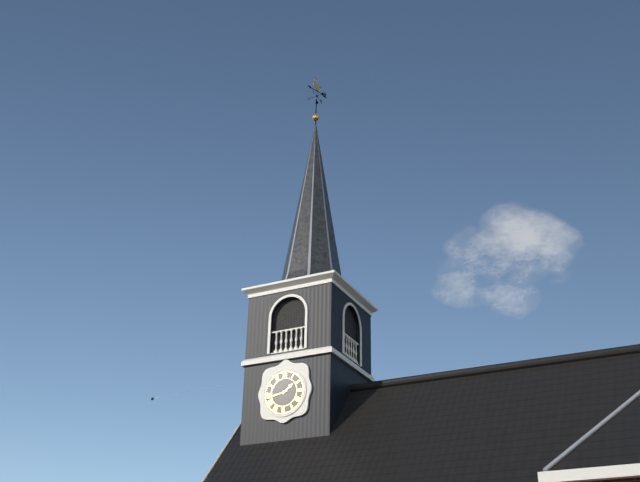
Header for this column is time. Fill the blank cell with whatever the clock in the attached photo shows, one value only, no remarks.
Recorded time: 1:43
